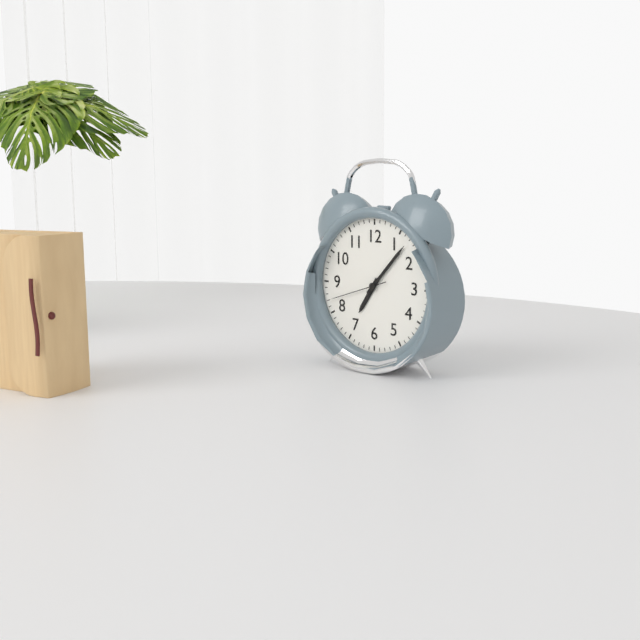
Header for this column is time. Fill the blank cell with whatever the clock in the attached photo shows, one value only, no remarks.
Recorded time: 7:07:42
